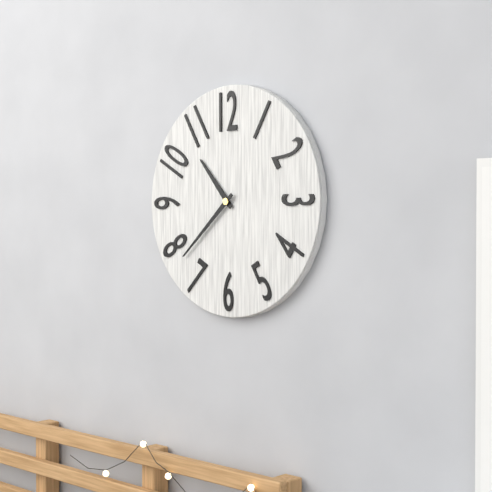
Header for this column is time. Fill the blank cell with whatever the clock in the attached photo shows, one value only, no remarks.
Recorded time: 10:38
